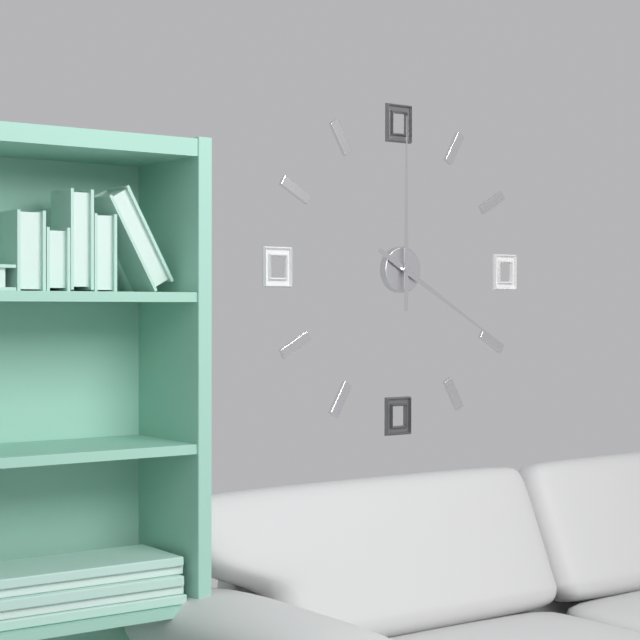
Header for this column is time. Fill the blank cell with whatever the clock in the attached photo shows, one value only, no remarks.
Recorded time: 4:00
